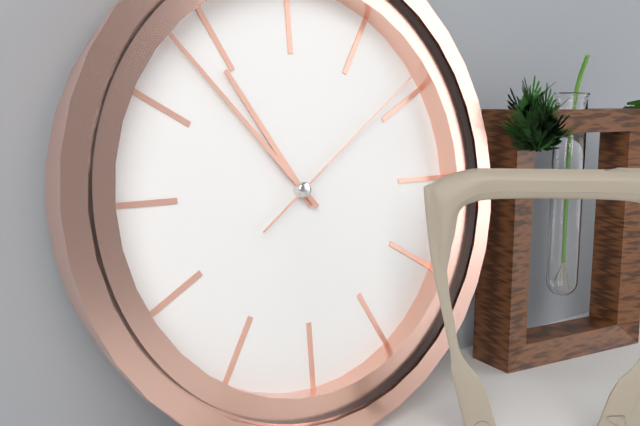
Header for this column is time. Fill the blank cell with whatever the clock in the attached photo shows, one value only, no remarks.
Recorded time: 10:53:09
